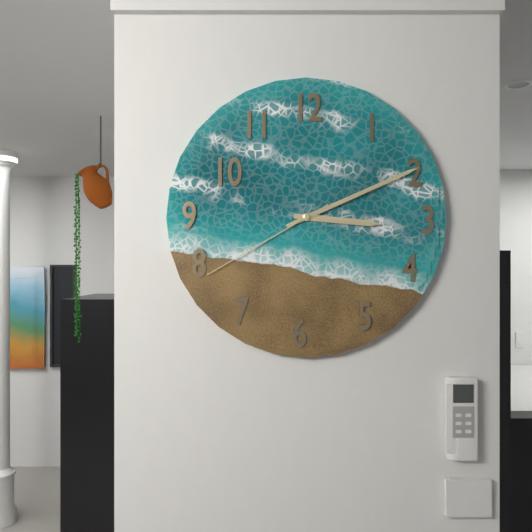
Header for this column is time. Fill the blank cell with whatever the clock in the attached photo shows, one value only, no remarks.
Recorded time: 3:11:40
